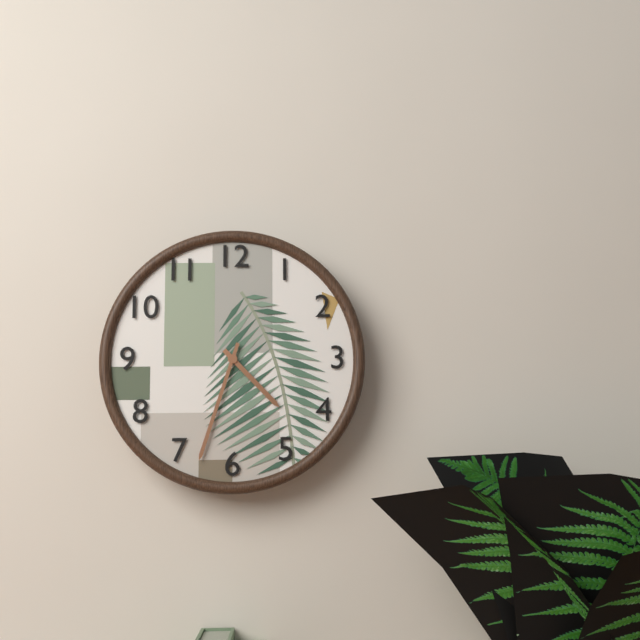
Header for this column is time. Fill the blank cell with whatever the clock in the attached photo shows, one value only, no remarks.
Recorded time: 4:33
